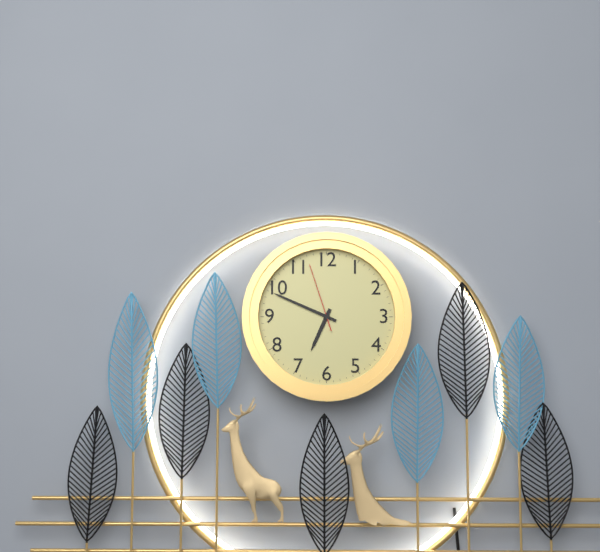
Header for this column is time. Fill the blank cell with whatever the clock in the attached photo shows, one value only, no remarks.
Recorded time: 6:49:57
